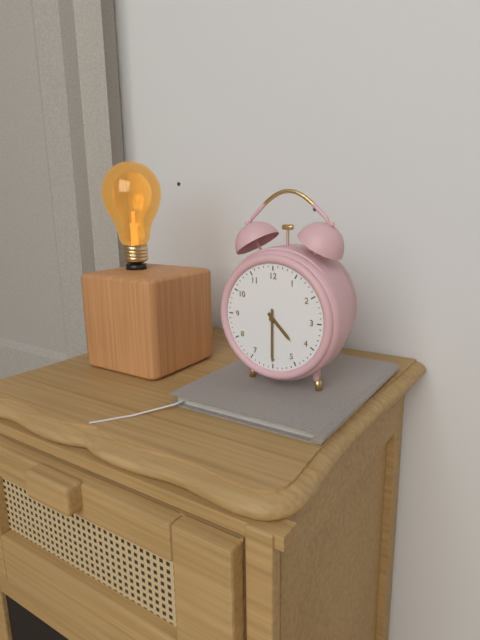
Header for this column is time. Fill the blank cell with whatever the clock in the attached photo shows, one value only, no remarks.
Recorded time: 4:30
